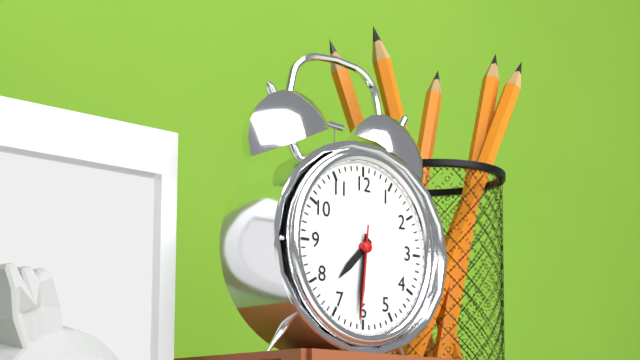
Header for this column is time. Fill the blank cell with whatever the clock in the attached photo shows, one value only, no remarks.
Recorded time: 7:31:31
